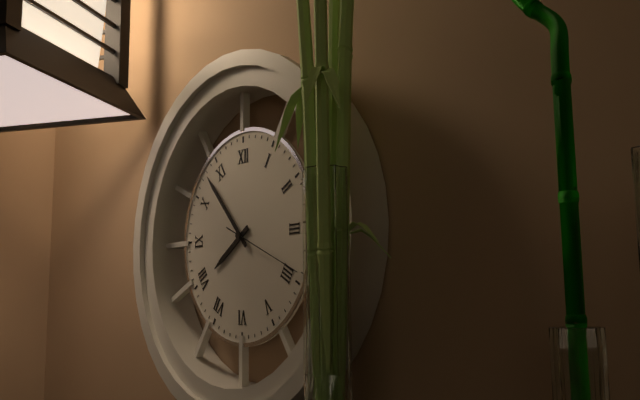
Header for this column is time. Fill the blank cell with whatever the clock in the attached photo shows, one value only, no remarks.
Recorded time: 7:53:19
